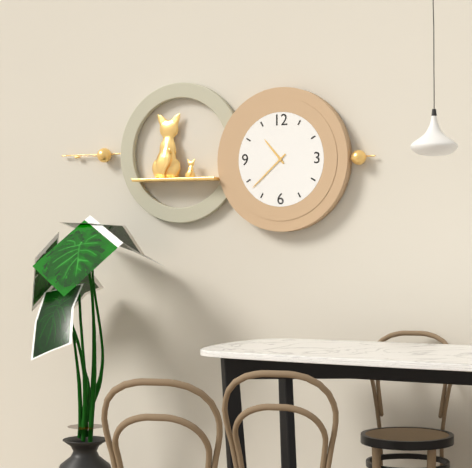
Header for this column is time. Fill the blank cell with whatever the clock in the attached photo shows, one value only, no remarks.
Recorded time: 10:38
